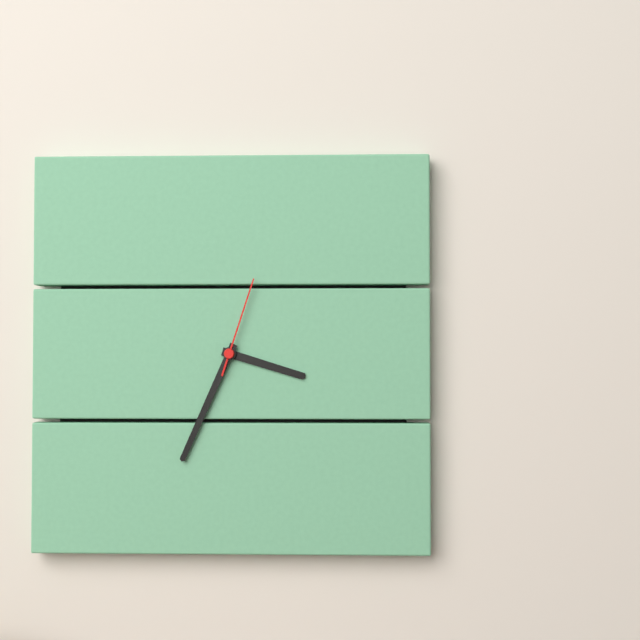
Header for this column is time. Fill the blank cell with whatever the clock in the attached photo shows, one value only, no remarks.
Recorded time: 3:34:03
